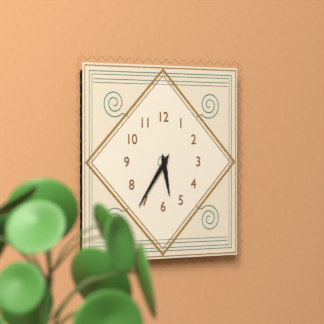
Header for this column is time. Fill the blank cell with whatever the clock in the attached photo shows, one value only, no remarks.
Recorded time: 5:36
